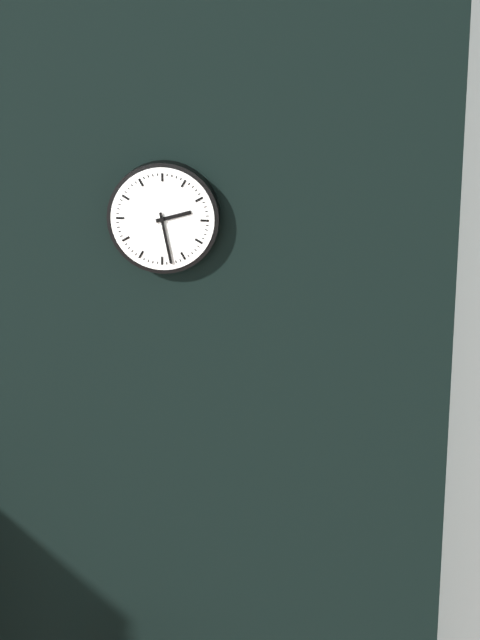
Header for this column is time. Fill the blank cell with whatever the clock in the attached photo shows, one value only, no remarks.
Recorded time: 2:28
